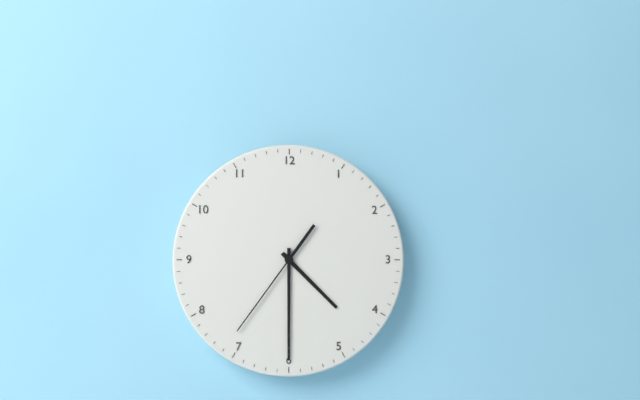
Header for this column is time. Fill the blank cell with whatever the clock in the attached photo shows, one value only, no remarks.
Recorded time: 4:30:36
